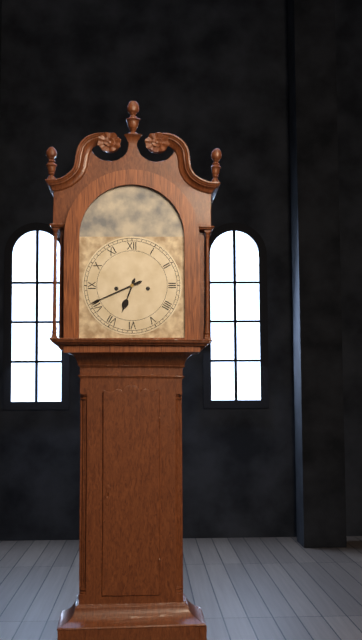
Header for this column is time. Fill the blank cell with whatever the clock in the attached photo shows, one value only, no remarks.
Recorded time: 6:41
